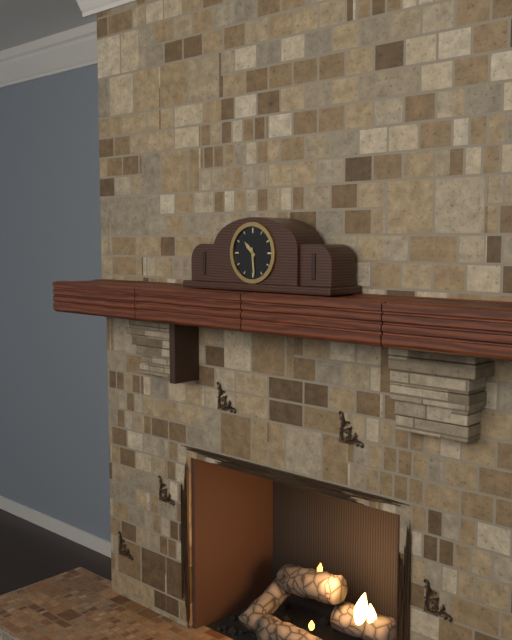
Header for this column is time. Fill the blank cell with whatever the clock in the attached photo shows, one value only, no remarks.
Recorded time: 10:29
